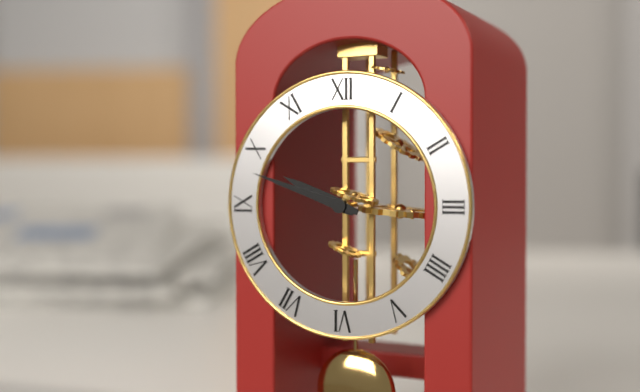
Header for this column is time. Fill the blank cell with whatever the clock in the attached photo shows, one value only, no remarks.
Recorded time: 9:48
